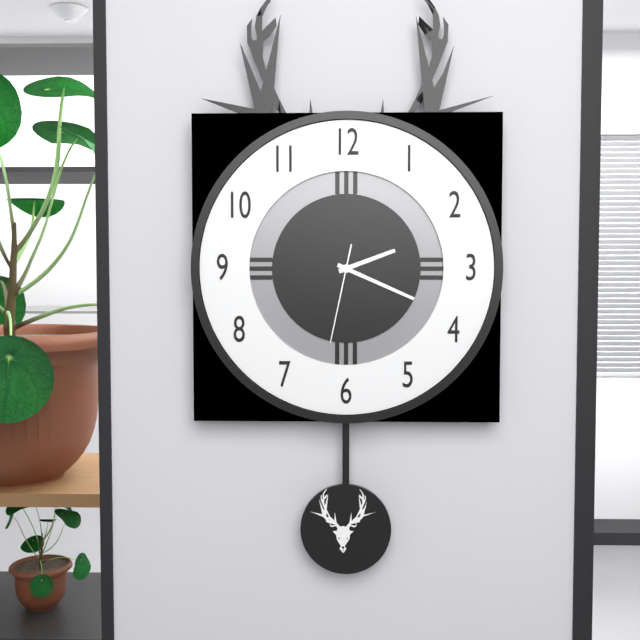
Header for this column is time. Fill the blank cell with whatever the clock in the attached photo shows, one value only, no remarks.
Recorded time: 2:19:32
